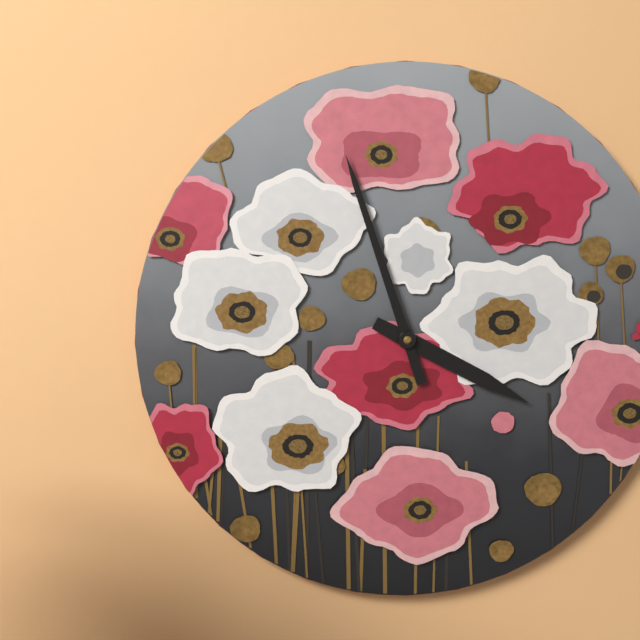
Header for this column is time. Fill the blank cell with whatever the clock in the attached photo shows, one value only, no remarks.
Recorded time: 3:57
